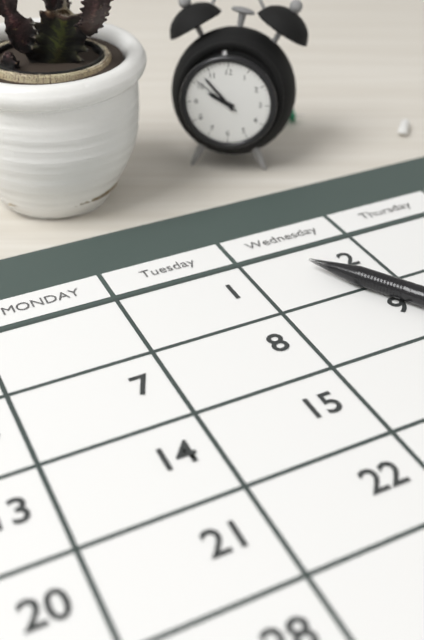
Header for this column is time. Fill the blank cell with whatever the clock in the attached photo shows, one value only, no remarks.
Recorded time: 9:53
